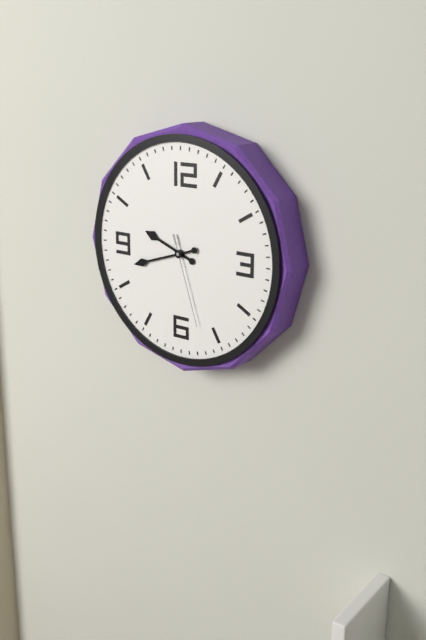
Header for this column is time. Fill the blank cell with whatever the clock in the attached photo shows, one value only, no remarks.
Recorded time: 9:42:27
